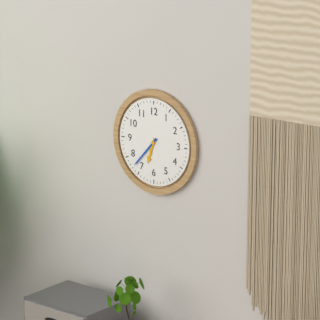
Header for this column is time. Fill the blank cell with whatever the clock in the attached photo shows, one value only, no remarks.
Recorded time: 6:37
